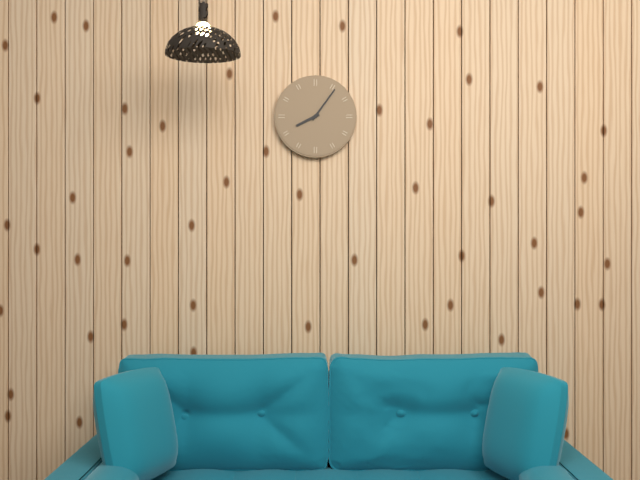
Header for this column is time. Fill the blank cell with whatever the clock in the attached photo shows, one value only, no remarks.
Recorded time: 8:06
